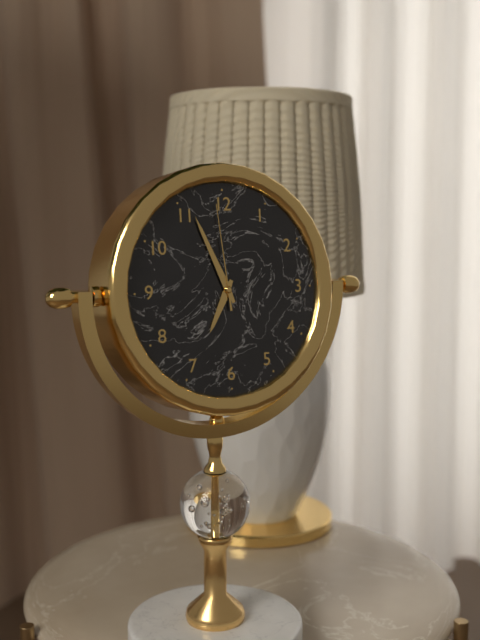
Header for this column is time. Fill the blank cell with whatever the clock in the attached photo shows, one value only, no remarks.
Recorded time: 6:56:59
